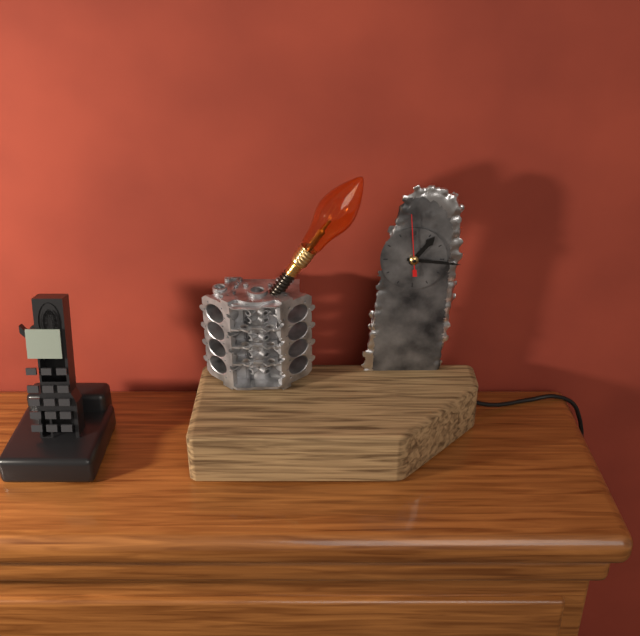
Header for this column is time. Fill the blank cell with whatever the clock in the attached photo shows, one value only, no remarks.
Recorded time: 1:16:59
